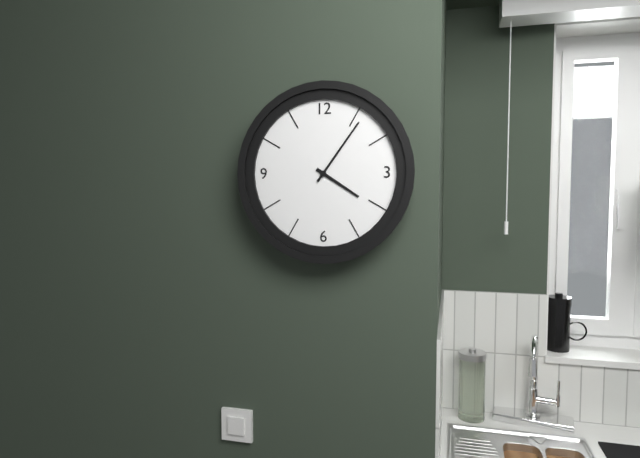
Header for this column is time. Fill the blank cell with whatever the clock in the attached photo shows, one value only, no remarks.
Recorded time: 4:06
